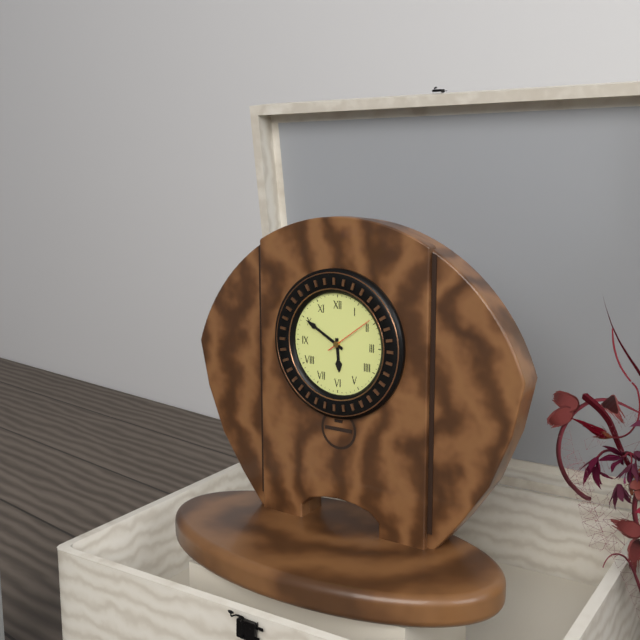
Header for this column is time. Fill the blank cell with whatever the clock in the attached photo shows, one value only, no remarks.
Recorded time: 5:50
